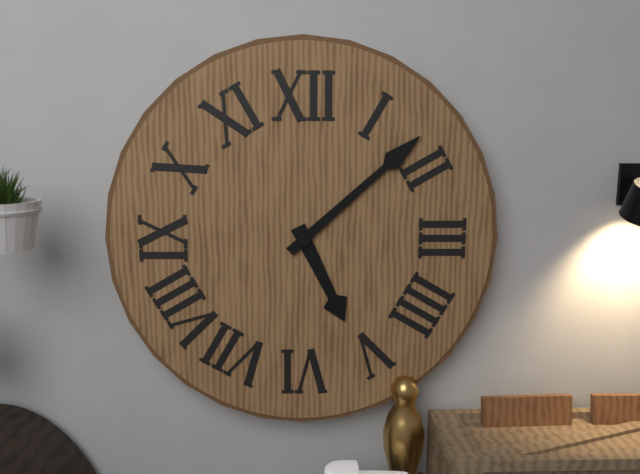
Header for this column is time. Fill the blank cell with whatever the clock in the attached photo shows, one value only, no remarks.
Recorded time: 5:08
